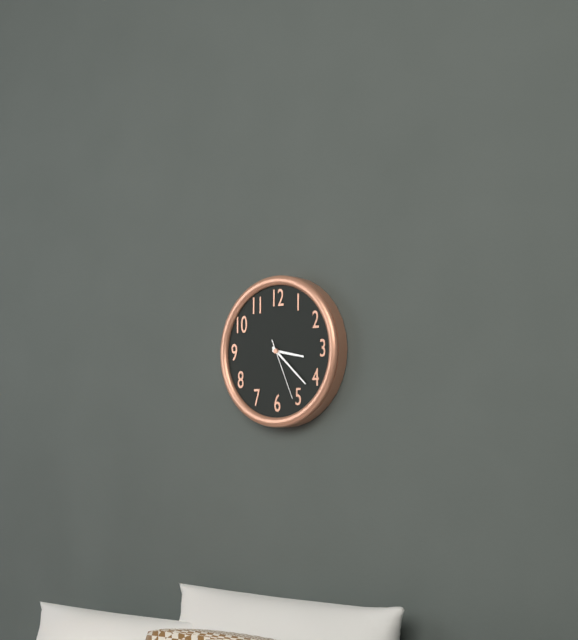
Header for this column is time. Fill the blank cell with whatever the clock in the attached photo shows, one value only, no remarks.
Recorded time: 3:22:26
